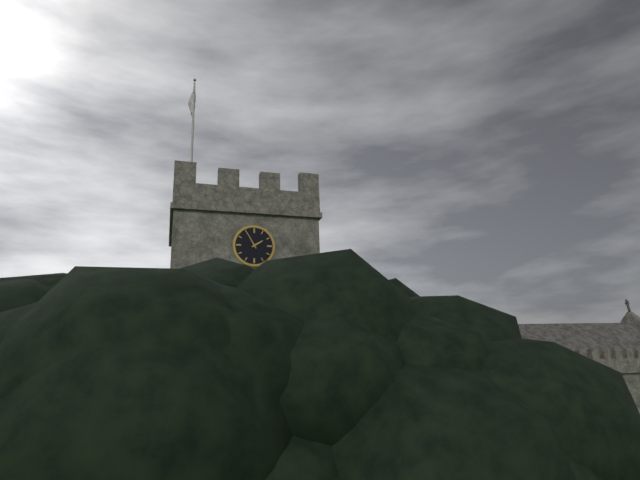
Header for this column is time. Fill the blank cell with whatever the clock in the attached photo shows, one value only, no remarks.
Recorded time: 1:55
